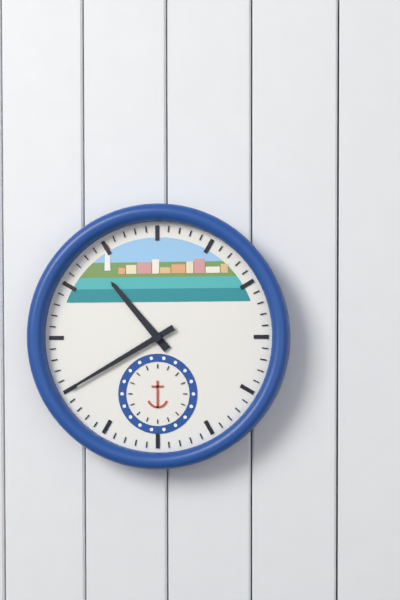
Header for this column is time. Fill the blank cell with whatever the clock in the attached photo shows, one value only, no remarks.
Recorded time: 10:40
